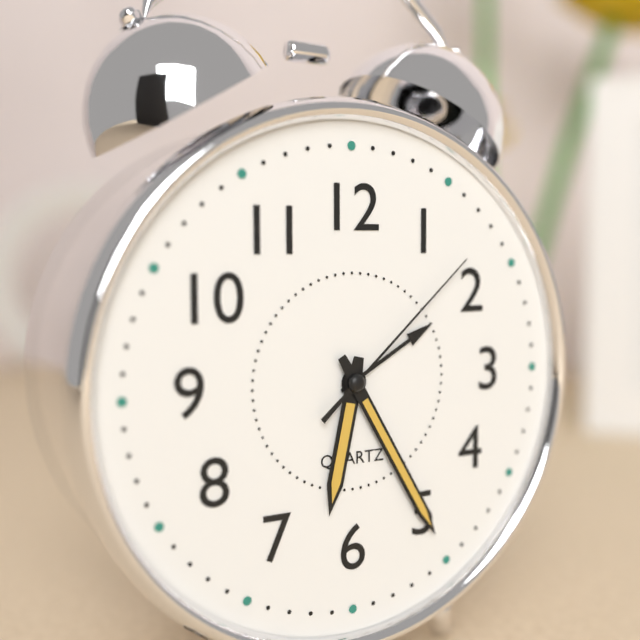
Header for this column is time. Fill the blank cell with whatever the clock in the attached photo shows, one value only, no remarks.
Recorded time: 6:25:08
